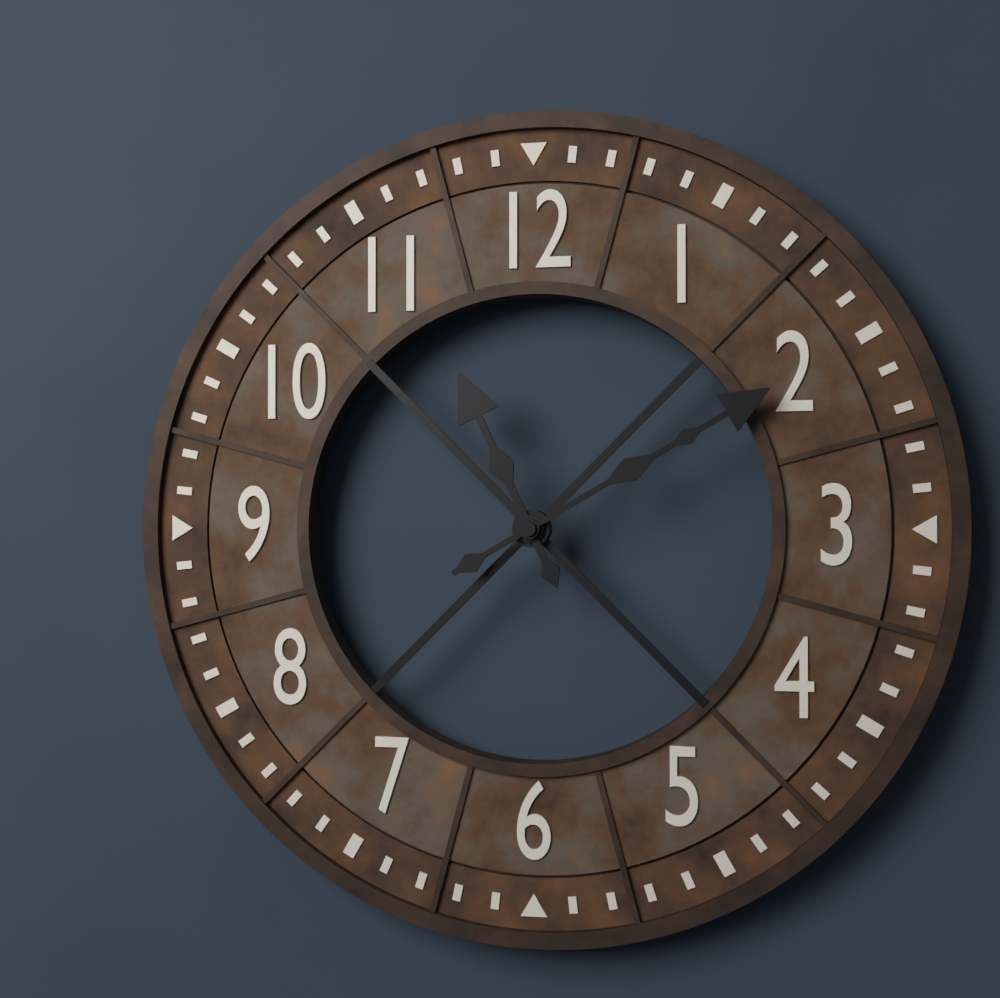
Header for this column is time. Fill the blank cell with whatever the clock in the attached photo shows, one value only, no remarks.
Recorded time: 11:10
